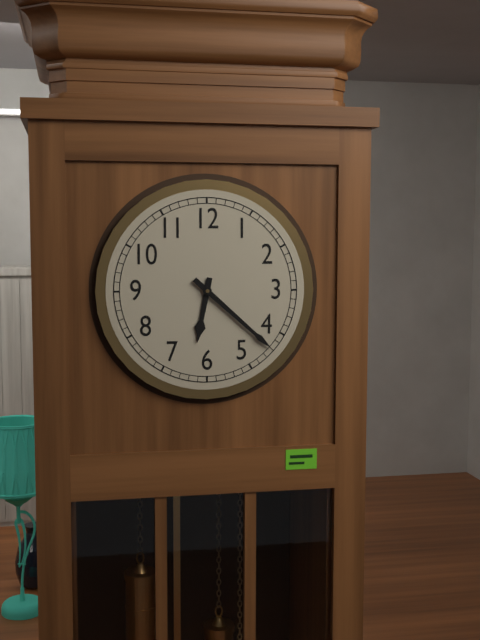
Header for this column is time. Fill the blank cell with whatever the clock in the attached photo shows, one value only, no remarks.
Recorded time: 6:22
